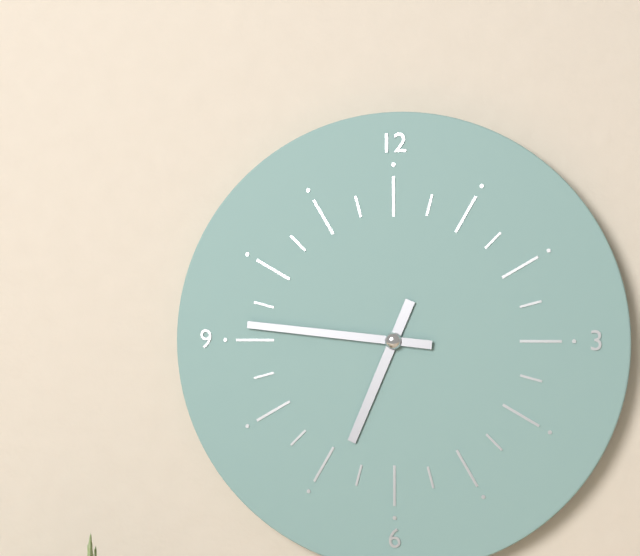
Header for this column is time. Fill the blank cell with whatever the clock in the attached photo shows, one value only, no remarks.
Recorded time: 6:46
